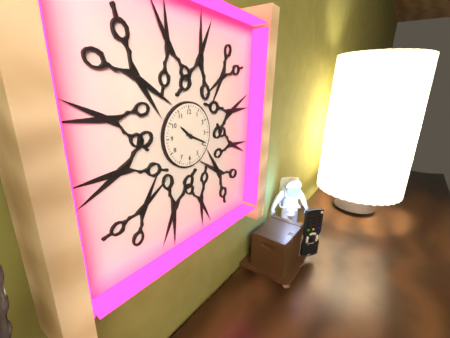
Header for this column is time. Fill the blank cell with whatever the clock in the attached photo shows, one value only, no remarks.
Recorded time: 10:19
